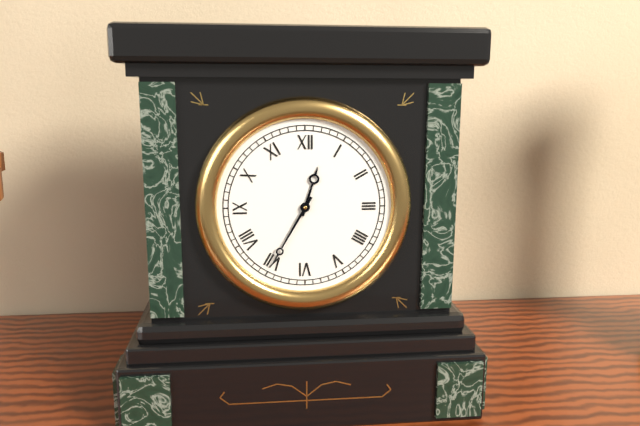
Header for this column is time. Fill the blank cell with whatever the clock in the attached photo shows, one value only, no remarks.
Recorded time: 12:35
